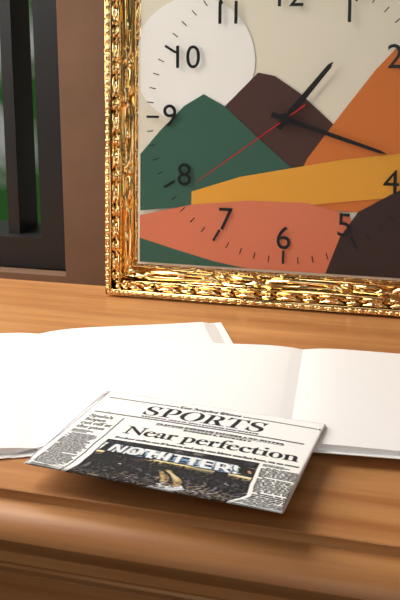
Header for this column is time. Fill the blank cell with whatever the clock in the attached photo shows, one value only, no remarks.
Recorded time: 1:18:39
